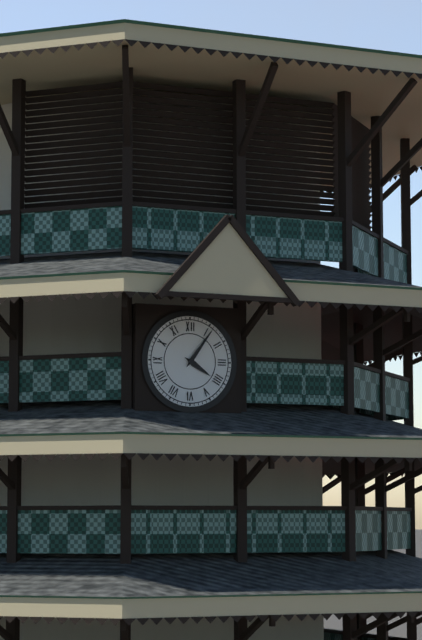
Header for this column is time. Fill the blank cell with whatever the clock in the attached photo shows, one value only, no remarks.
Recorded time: 4:06
